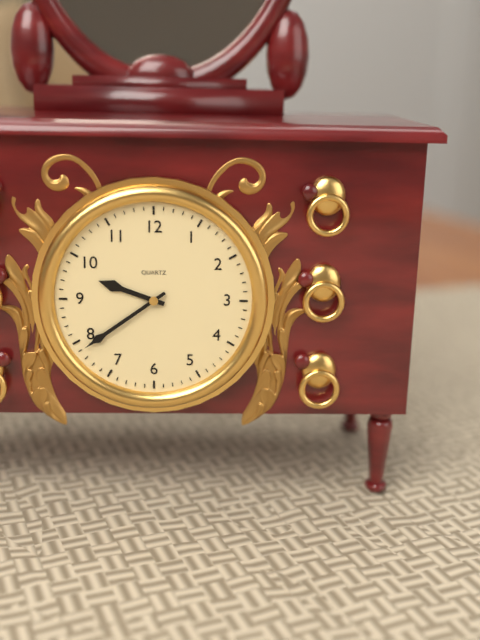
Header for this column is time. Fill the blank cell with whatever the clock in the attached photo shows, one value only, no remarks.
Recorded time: 9:39
